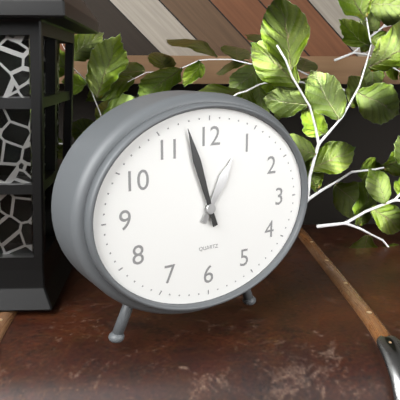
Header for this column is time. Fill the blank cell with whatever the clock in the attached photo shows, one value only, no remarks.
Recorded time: 12:57
